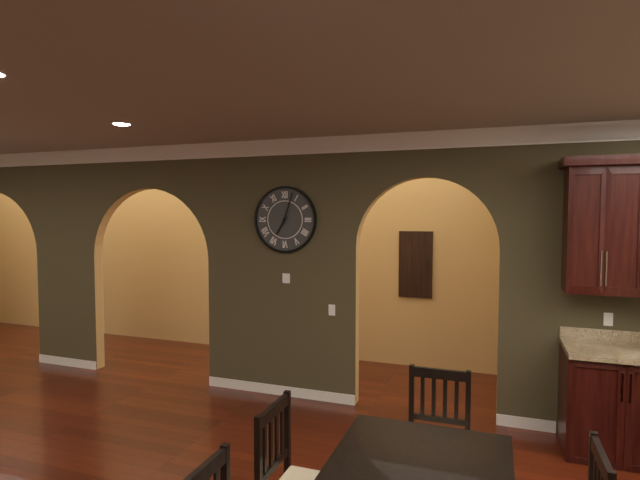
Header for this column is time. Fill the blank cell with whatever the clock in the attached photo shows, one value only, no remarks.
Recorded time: 7:03
